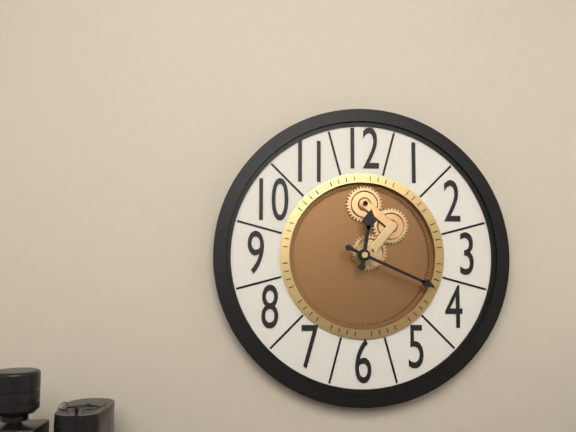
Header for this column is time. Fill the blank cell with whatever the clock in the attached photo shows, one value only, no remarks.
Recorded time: 12:19
